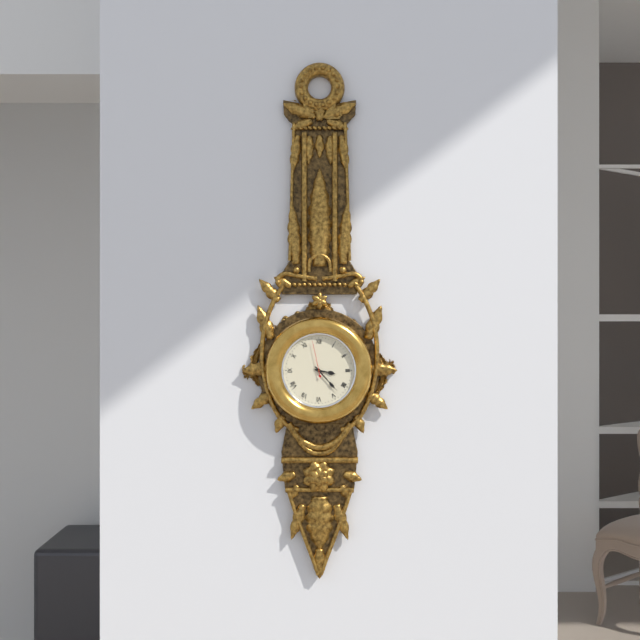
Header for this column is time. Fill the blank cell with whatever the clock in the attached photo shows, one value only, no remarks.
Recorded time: 3:23
